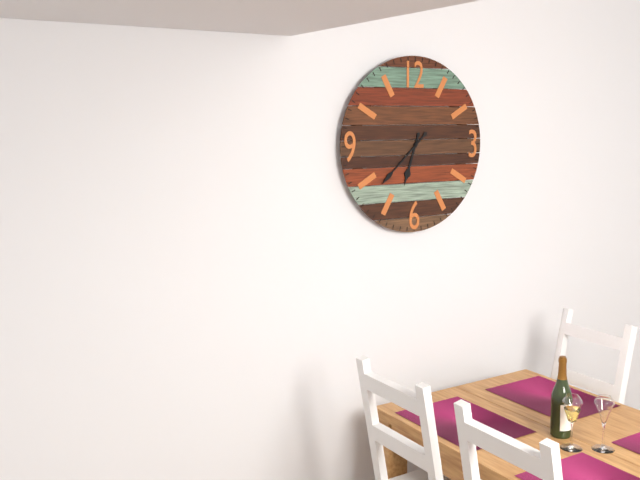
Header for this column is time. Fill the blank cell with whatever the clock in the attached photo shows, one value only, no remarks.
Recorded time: 6:38
